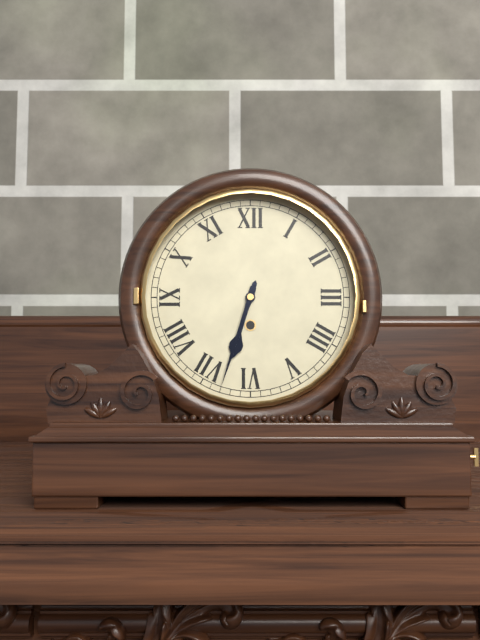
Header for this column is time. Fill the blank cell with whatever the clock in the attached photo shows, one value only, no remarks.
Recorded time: 6:33
